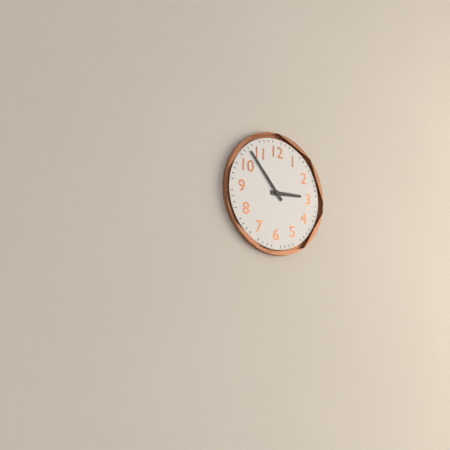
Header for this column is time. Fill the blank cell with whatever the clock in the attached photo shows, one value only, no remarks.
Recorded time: 2:53
